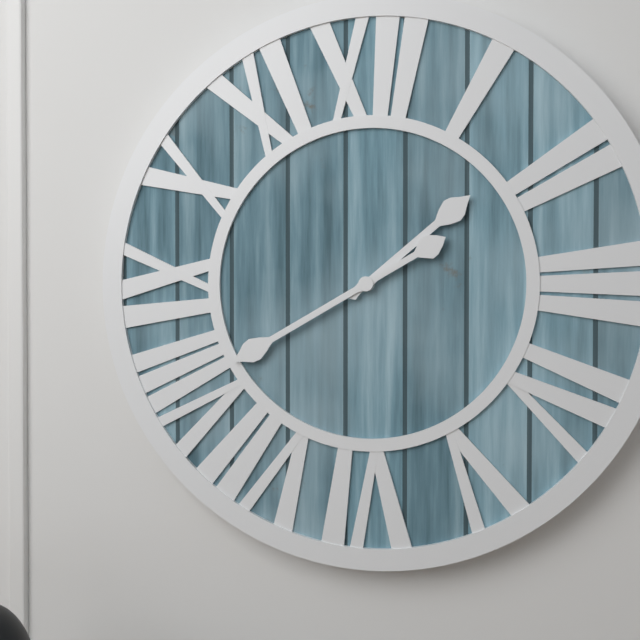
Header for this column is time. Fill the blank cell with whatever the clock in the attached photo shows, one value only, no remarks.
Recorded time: 1:40
